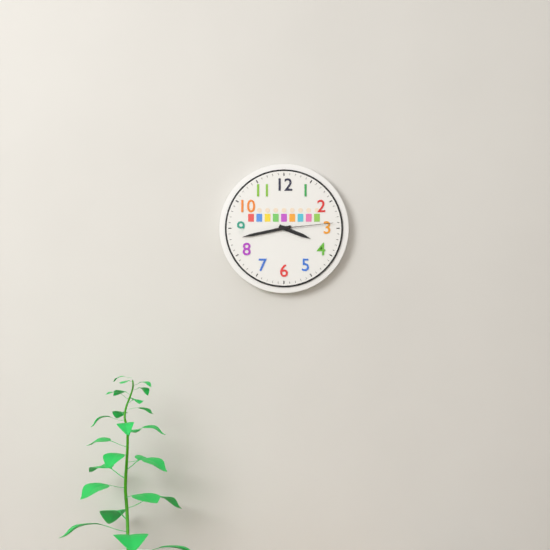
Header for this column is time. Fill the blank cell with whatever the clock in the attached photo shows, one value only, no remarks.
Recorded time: 3:43:14
